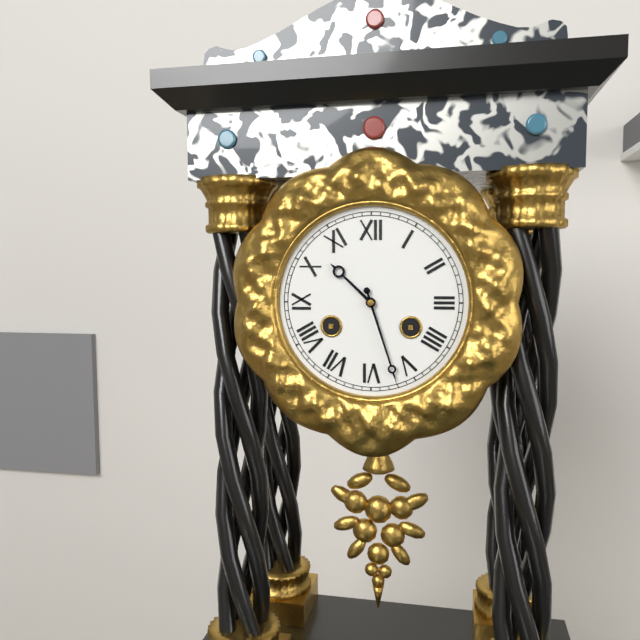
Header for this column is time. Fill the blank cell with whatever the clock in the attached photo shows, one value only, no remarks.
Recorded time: 10:27
